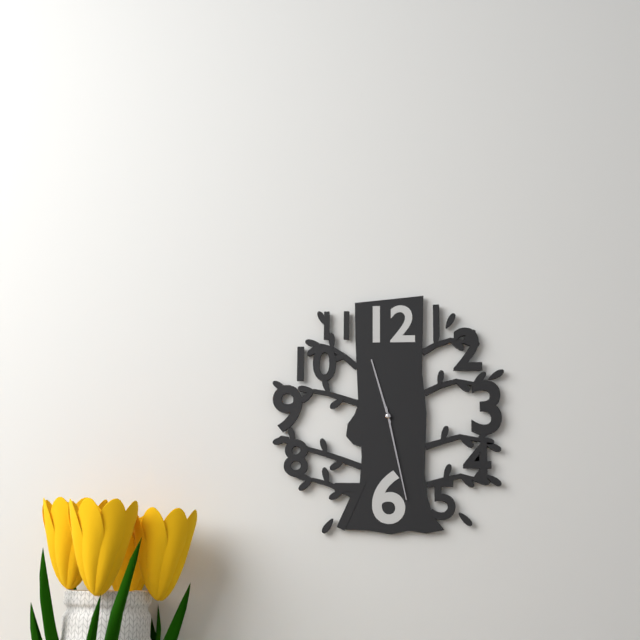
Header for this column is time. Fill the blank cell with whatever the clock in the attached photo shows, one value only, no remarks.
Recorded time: 11:28
